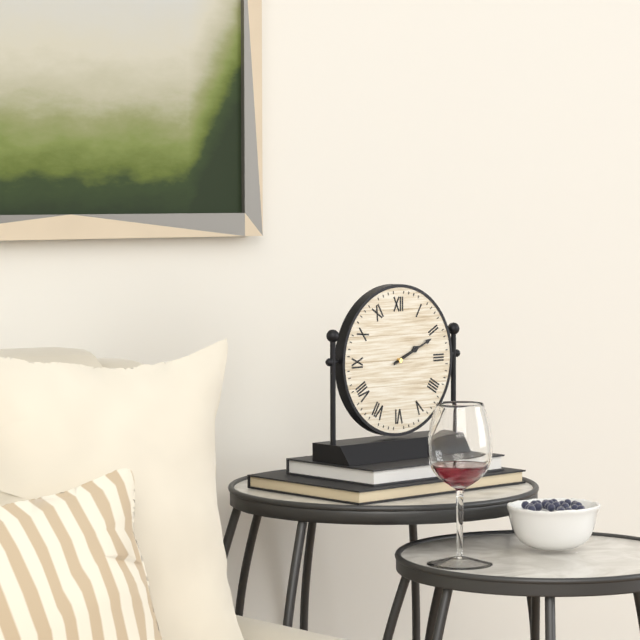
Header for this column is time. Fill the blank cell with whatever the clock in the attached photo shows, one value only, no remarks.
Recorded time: 2:11
